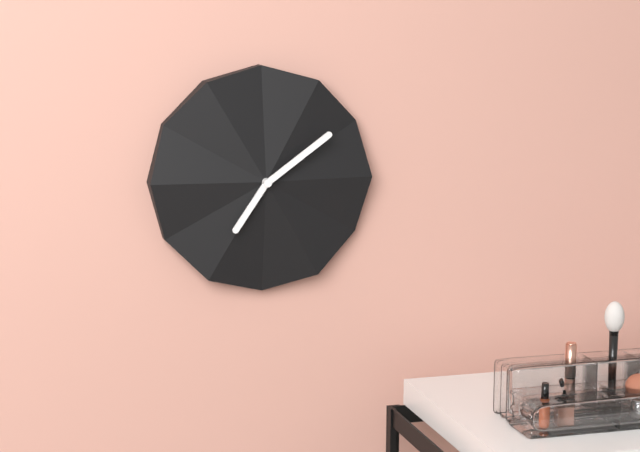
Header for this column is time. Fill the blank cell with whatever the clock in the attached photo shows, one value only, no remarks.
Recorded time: 7:09
